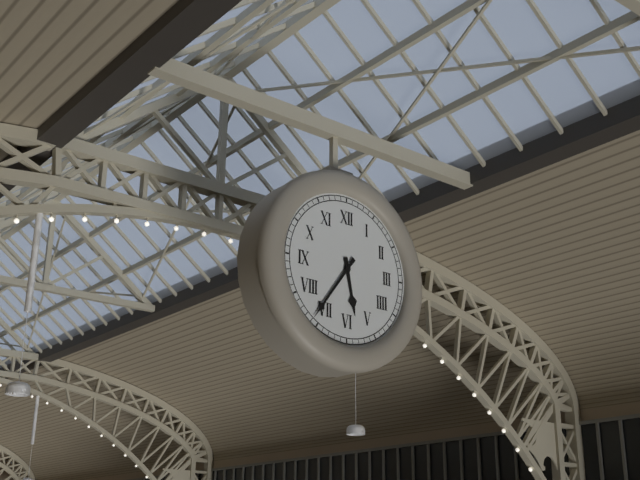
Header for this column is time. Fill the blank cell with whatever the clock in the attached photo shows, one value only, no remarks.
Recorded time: 5:36
